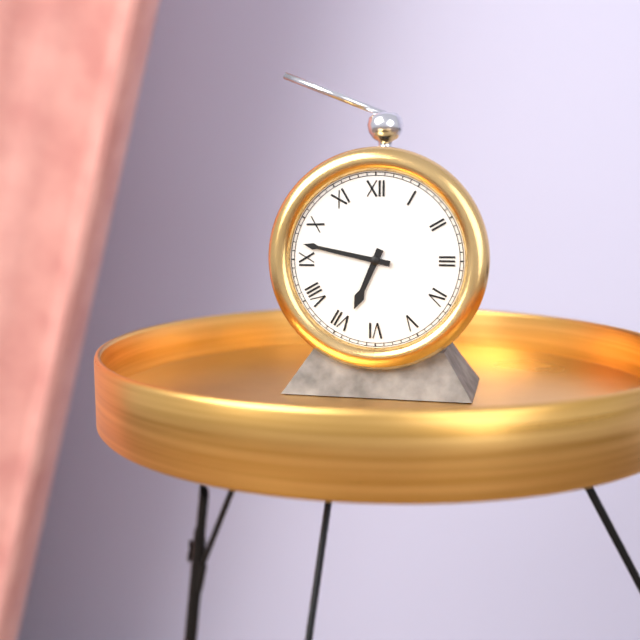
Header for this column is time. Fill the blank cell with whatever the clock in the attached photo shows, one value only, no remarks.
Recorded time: 6:47
